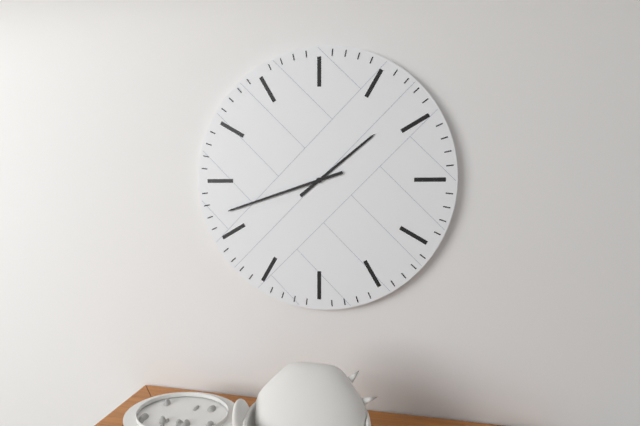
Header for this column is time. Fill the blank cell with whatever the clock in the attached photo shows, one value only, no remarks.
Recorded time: 1:42
